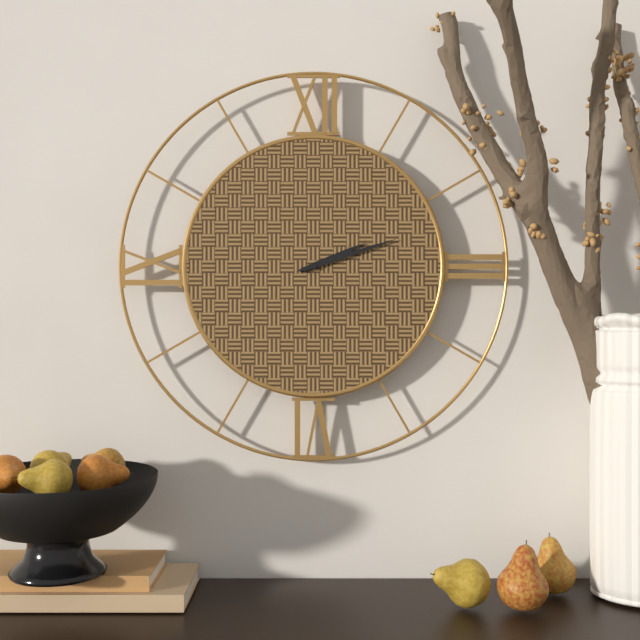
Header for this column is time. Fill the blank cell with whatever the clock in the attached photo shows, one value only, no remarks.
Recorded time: 2:12
